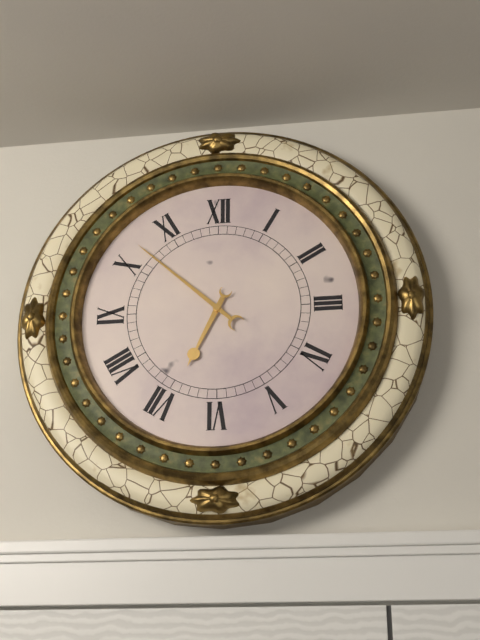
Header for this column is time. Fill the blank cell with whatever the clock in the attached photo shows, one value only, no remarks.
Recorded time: 6:52
